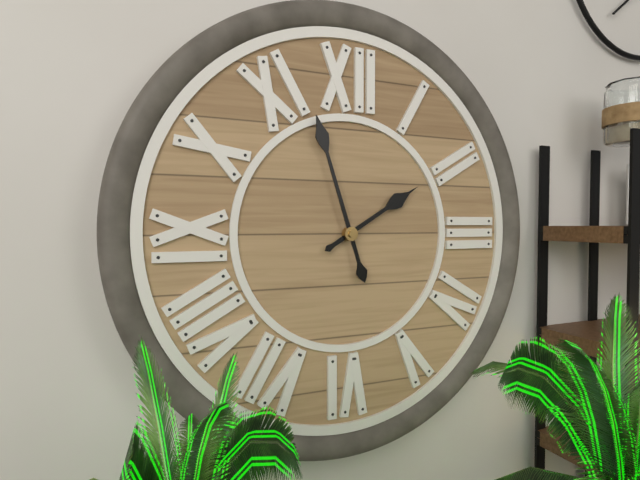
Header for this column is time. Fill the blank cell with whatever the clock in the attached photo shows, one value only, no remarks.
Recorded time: 1:57
